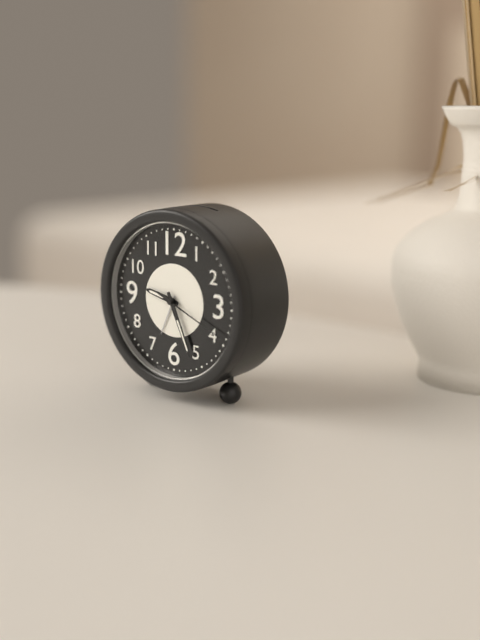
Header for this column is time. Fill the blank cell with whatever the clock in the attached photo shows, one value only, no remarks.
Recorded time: 9:26:19
